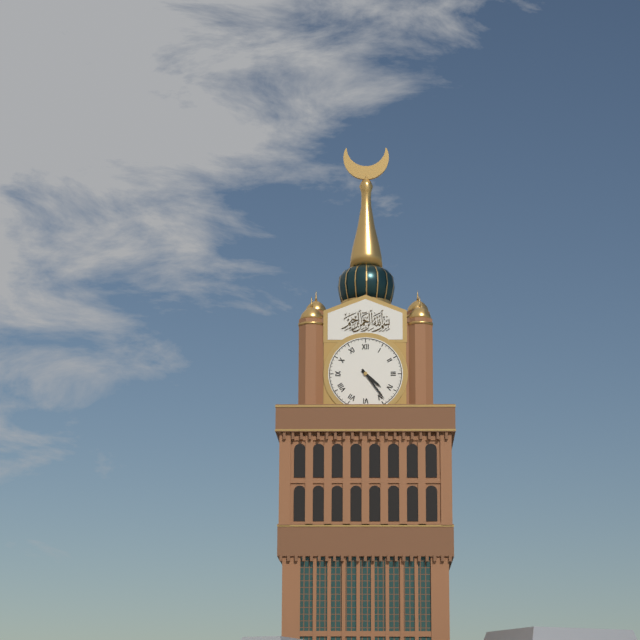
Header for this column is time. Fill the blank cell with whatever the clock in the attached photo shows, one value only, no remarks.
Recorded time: 4:24
